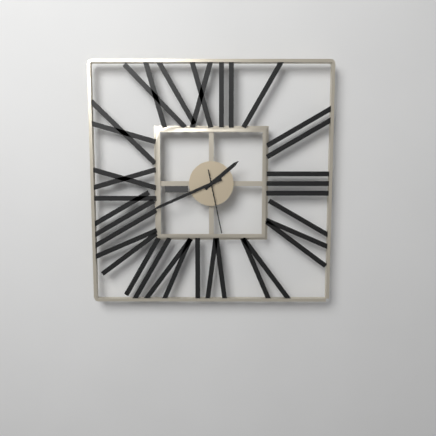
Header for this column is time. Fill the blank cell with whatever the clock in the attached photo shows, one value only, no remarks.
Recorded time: 1:41:28
